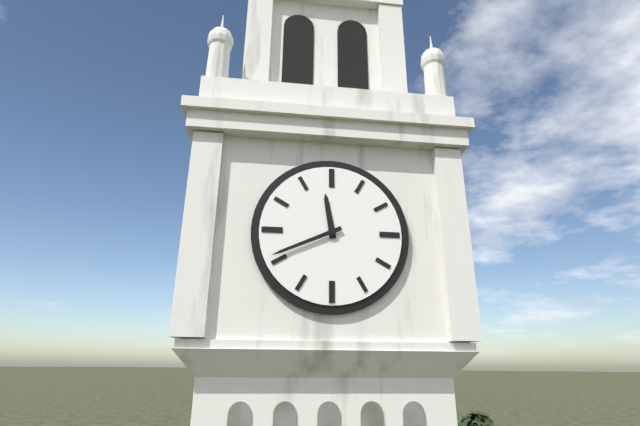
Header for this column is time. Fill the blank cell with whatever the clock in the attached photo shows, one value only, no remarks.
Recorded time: 11:41
